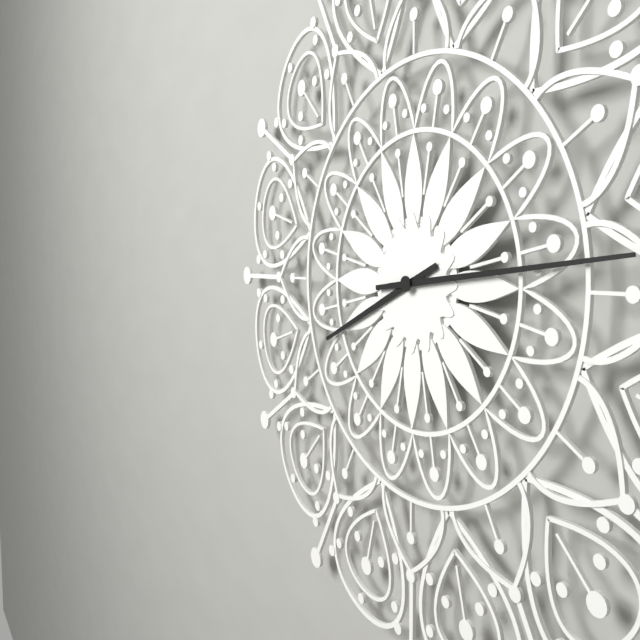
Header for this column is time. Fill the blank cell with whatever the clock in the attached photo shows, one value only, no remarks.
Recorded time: 8:14
